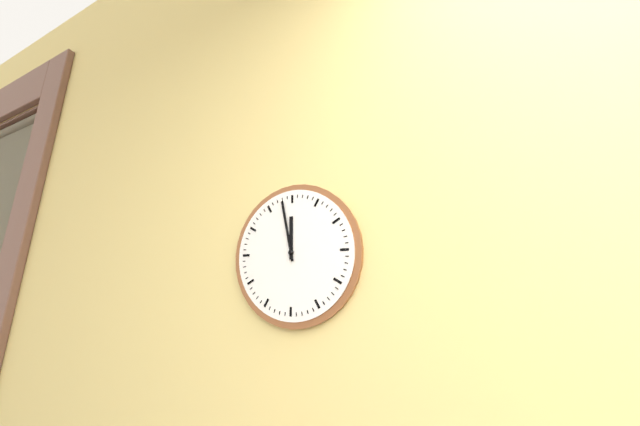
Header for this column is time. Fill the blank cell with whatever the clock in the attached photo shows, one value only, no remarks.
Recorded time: 11:58
